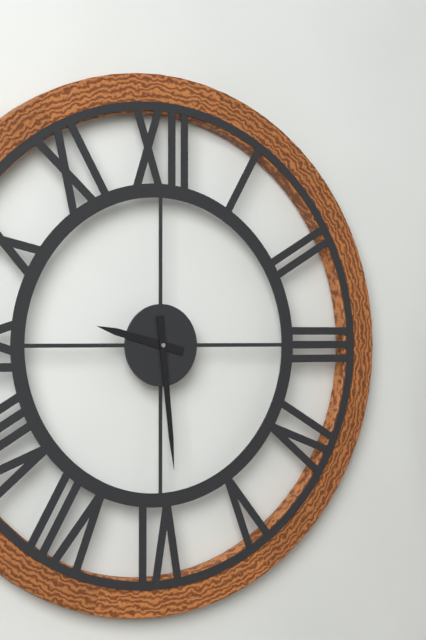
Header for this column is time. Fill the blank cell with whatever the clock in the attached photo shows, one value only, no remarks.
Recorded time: 9:29
